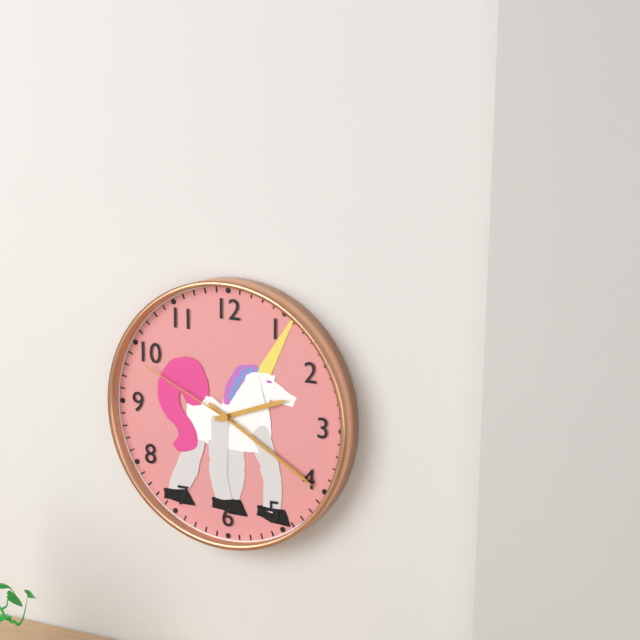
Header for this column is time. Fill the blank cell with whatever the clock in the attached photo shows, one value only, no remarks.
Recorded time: 2:20:49
